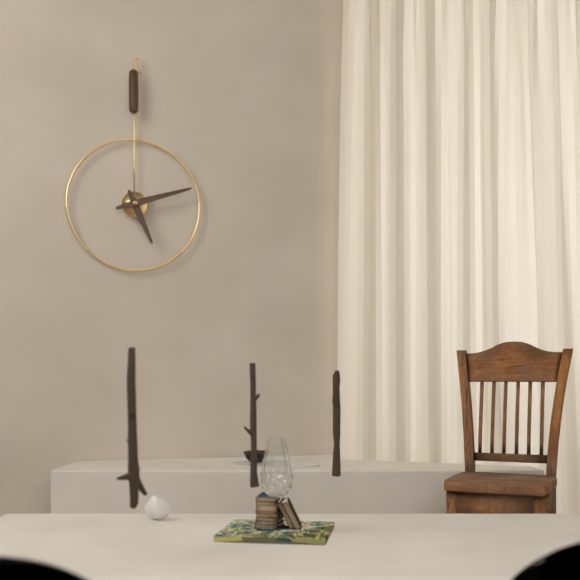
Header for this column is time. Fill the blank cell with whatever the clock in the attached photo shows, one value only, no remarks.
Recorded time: 5:12
